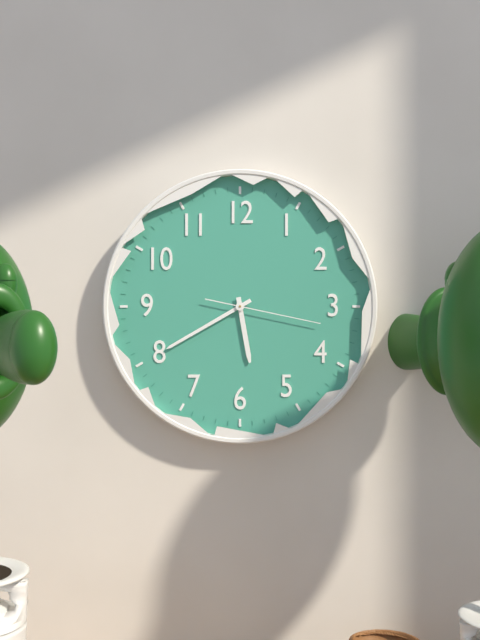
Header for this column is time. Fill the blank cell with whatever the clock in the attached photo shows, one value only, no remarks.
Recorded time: 5:40:17
